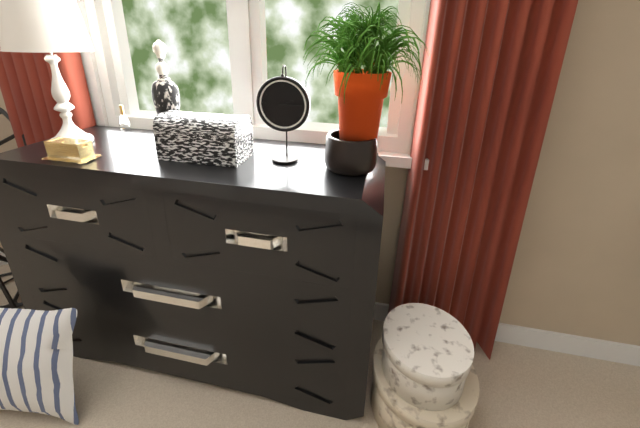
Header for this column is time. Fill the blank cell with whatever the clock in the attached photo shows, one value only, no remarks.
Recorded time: 2:15
